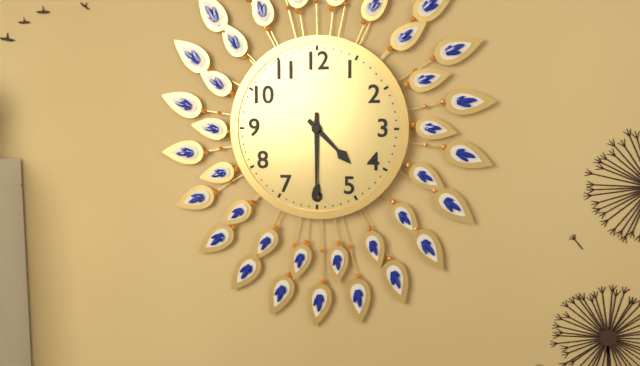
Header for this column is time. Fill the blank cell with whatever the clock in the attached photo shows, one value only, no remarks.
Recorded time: 4:30
